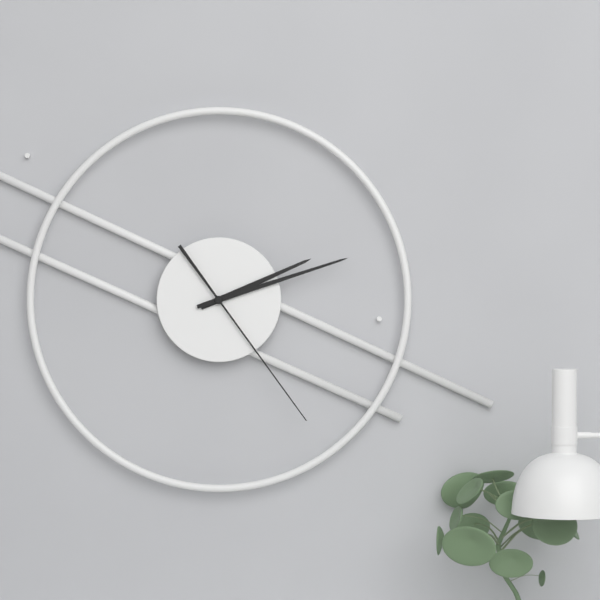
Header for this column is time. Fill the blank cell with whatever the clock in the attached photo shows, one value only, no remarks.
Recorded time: 2:12:24
